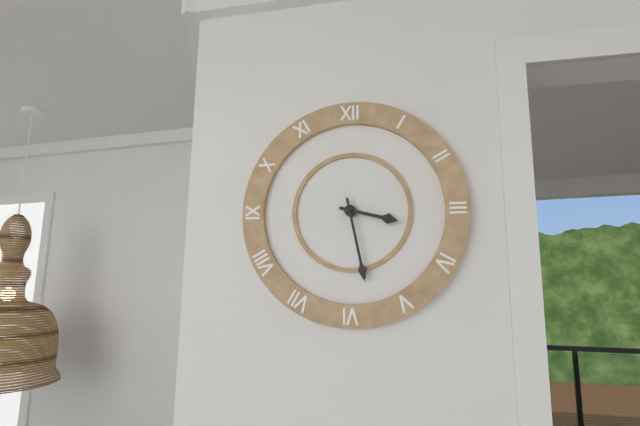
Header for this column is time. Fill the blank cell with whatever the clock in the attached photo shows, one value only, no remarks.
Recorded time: 3:28
